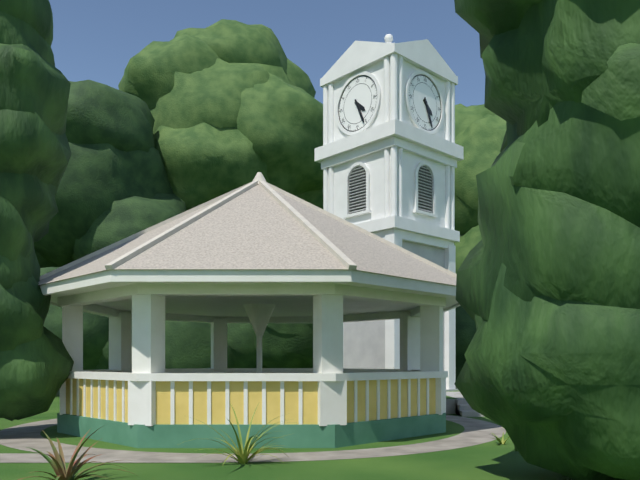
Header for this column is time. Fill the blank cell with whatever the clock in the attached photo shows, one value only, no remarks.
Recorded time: 4:26
